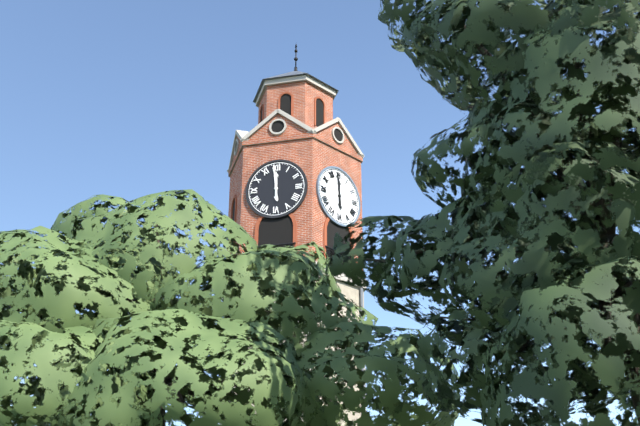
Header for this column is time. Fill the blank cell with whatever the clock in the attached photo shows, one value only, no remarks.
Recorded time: 11:59
